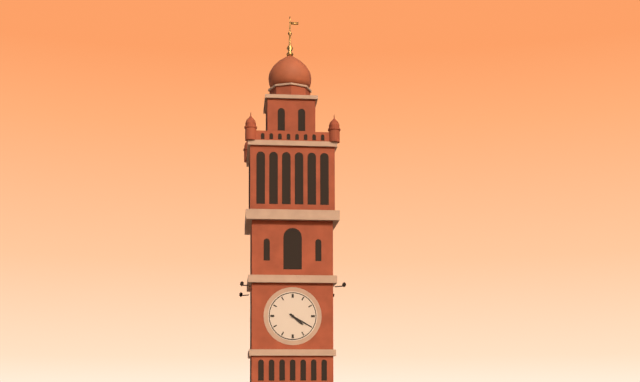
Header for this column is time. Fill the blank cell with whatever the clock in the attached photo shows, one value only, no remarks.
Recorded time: 4:20
